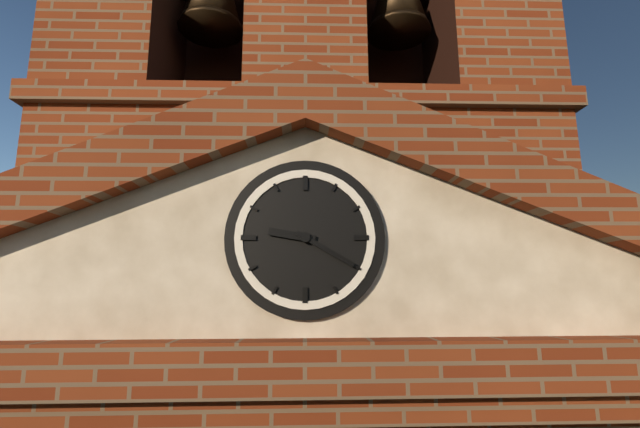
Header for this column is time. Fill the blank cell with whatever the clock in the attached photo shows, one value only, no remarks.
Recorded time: 9:20
